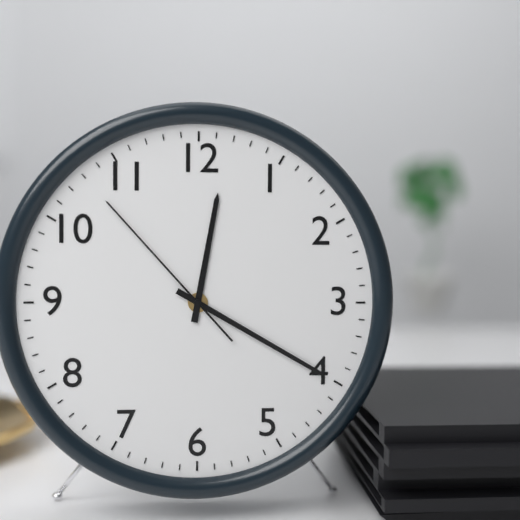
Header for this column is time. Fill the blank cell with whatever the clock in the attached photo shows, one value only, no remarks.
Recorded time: 12:20:53
